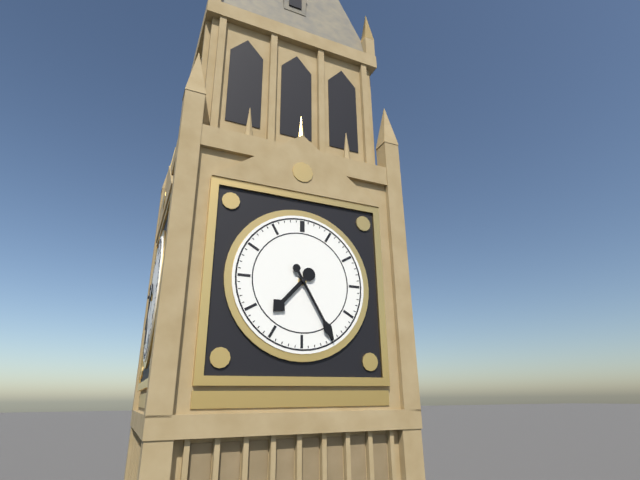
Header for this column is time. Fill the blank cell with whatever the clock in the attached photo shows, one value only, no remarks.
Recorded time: 7:25
